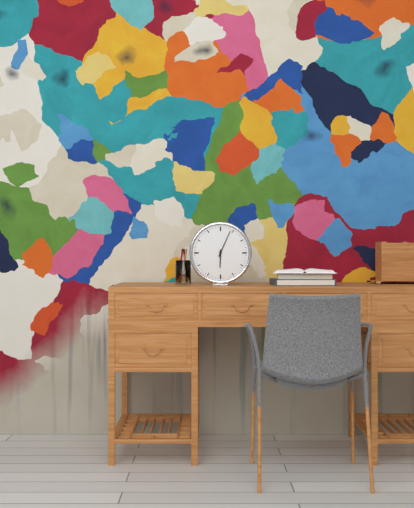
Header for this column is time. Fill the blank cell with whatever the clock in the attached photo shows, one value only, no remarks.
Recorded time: 6:04
